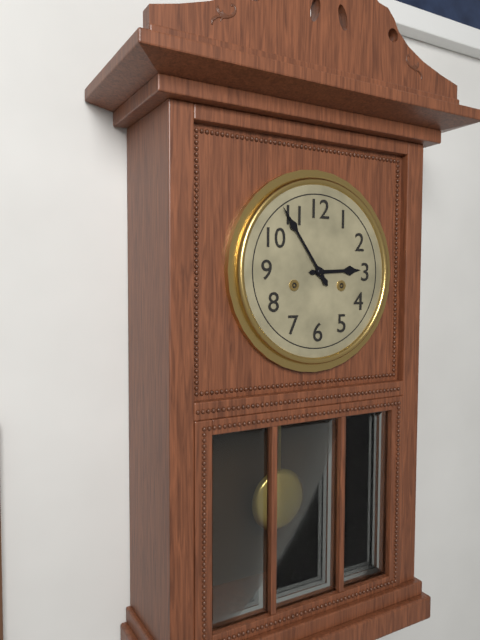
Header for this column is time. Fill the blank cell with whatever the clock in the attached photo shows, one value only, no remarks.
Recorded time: 2:54
